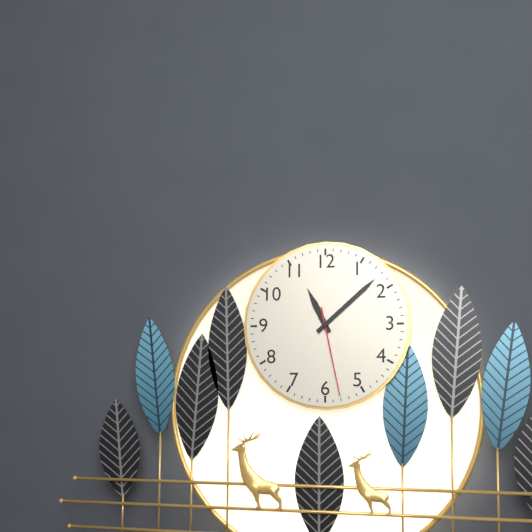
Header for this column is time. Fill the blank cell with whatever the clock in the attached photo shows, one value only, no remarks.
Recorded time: 11:08:28
